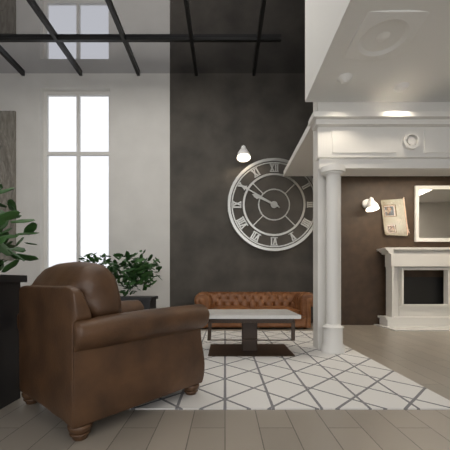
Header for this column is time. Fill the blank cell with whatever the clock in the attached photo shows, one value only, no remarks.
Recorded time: 9:50
